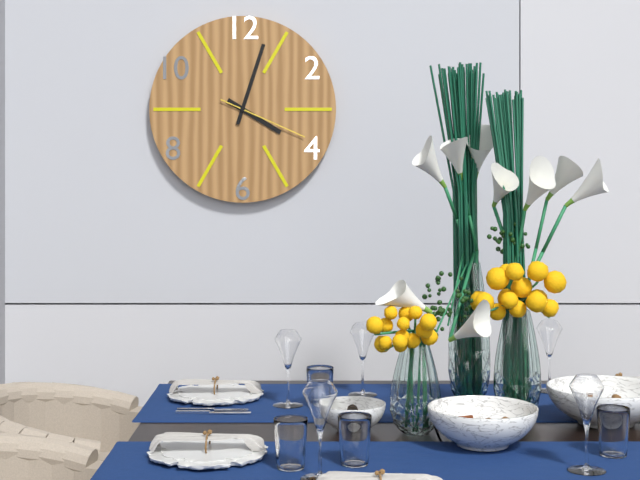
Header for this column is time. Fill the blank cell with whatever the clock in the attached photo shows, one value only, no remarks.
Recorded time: 4:03:19
